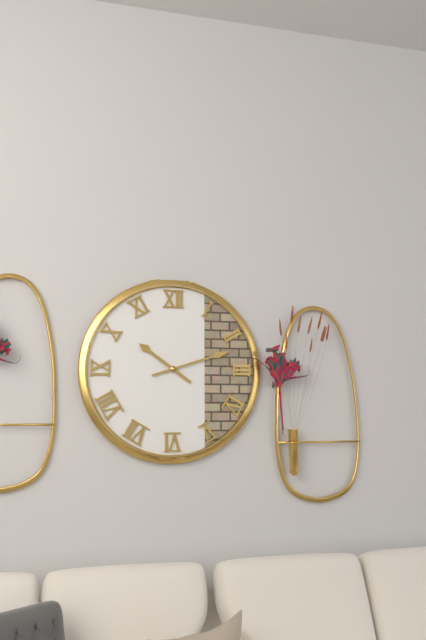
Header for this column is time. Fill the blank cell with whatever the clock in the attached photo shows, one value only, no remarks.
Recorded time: 10:12
